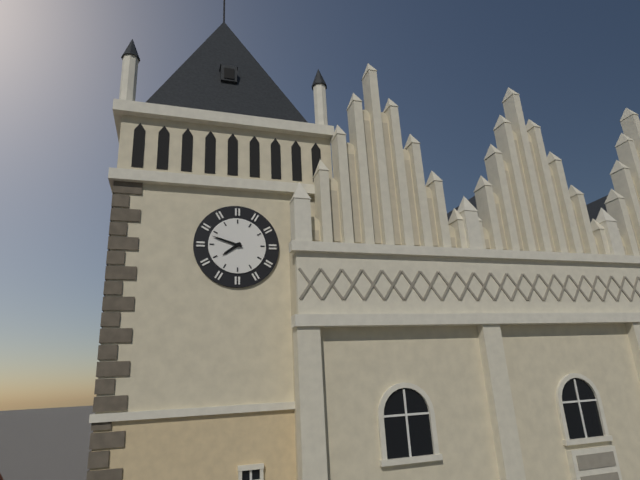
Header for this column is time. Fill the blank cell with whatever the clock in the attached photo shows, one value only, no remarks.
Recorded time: 7:48
